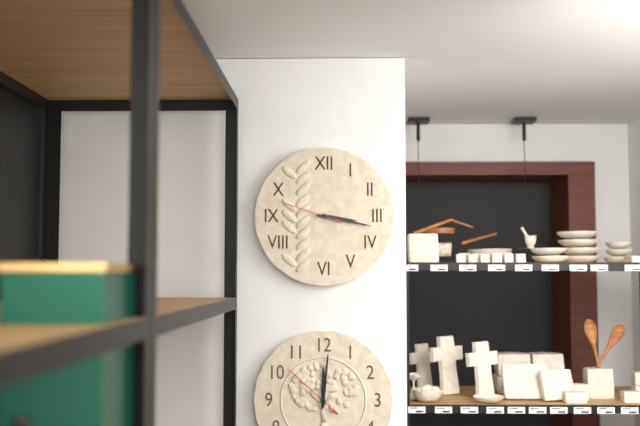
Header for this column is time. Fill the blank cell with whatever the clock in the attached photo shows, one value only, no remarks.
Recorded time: 3:17:48
